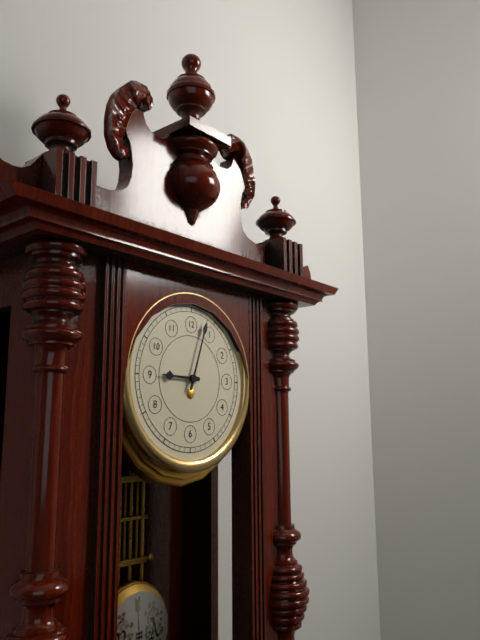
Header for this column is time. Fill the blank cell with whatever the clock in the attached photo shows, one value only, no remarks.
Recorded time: 9:03
